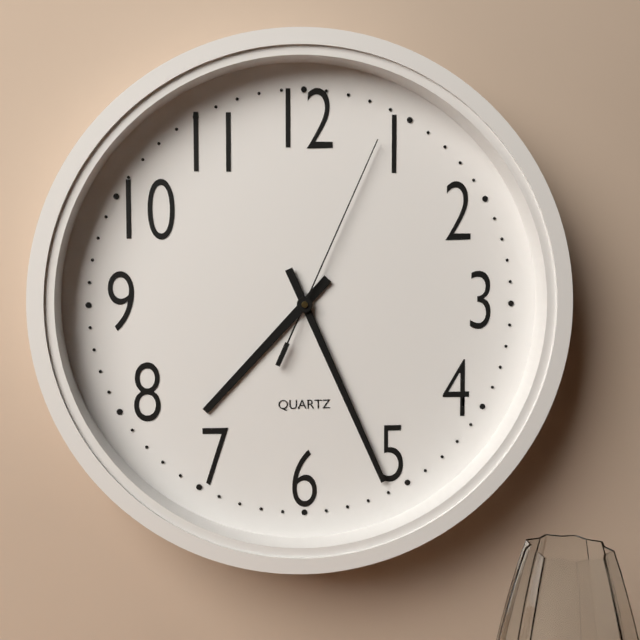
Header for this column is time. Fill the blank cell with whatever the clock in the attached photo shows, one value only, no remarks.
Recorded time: 7:26:04
